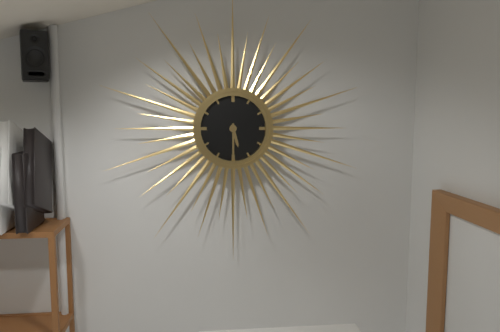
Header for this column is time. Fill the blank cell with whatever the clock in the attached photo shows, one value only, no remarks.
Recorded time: 5:30
